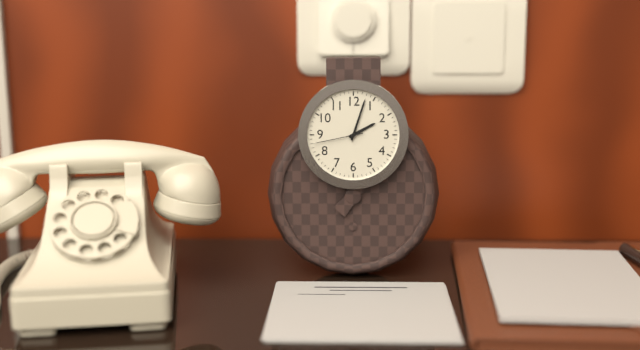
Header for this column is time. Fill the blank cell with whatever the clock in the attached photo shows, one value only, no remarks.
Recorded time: 2:03:43
